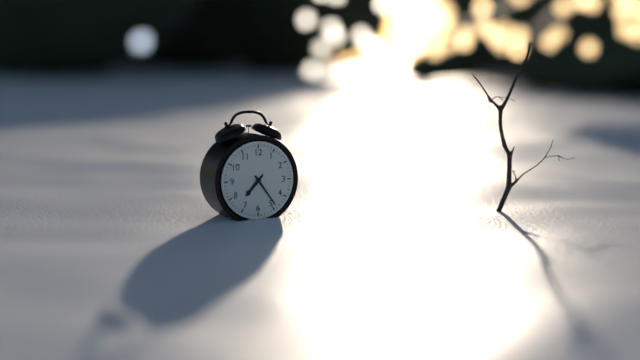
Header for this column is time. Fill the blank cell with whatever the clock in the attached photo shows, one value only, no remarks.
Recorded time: 7:24
